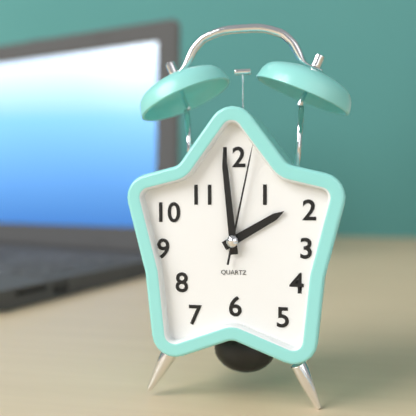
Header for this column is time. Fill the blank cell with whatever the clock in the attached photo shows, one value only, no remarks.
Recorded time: 1:59:02
